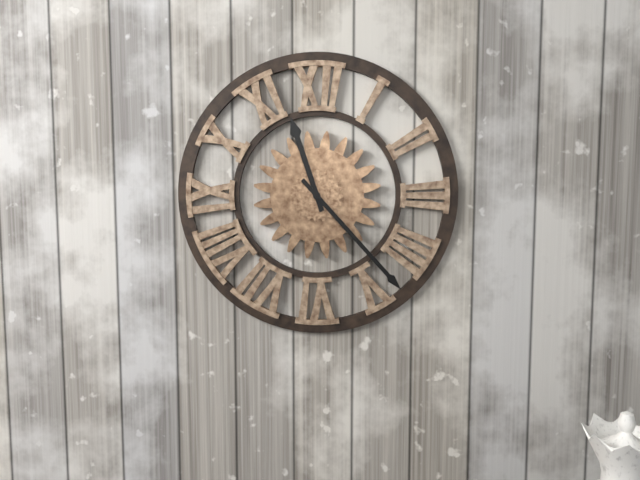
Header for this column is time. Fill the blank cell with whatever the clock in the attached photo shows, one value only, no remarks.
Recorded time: 11:23
